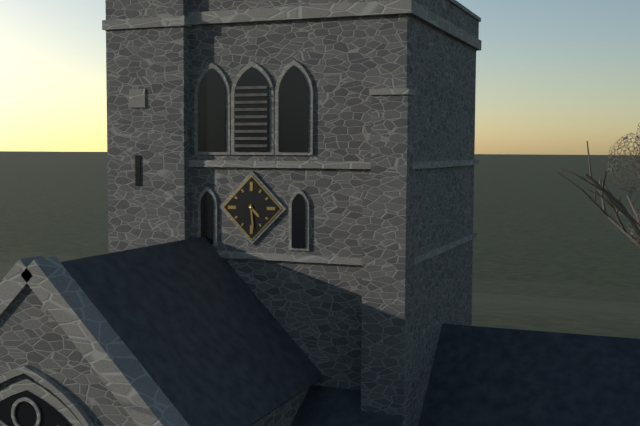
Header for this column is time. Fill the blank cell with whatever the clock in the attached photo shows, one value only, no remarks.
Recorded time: 4:29
